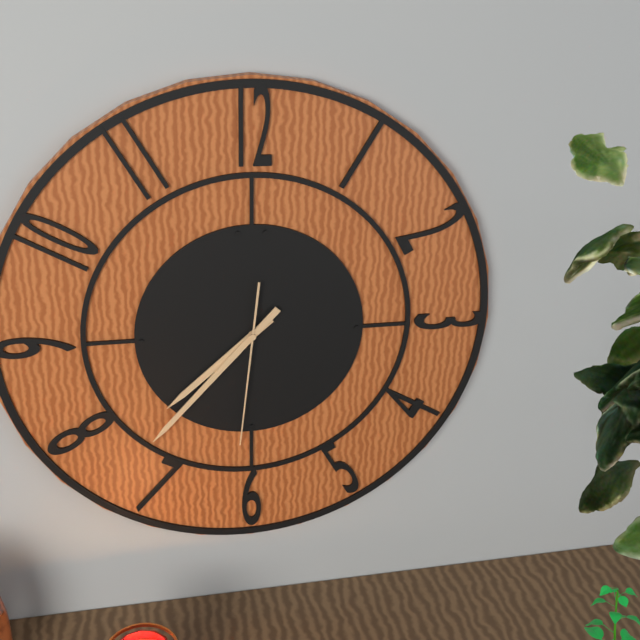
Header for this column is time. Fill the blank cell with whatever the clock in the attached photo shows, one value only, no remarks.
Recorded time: 7:37:31
